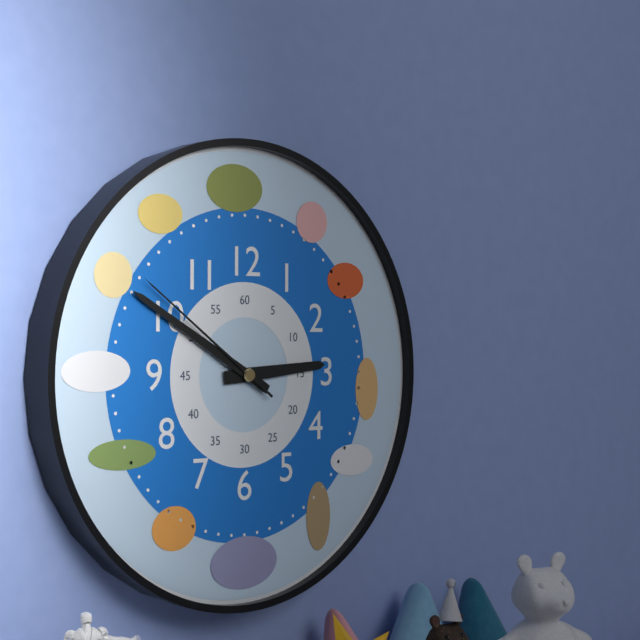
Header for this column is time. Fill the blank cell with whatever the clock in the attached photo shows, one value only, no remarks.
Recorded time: 2:50:51
